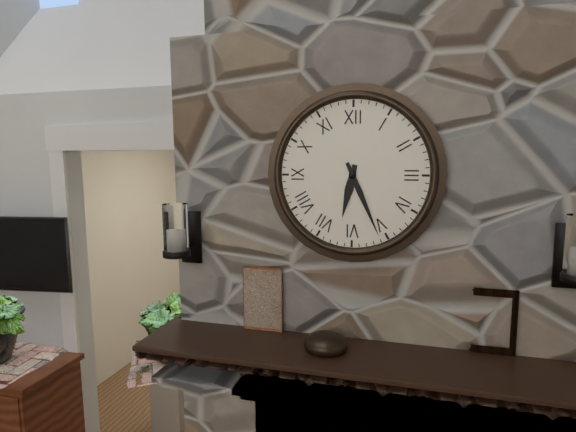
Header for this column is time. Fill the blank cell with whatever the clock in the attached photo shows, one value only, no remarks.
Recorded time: 6:26
